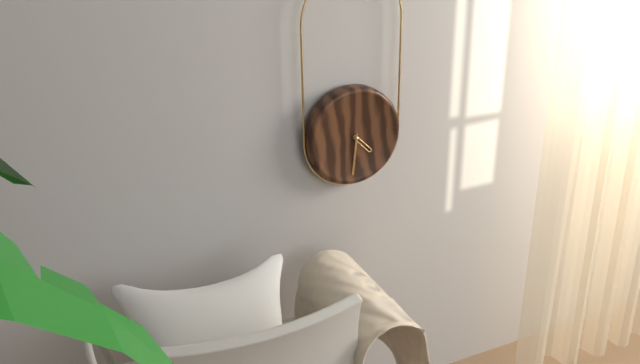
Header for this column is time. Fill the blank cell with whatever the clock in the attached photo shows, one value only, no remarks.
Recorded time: 4:31
